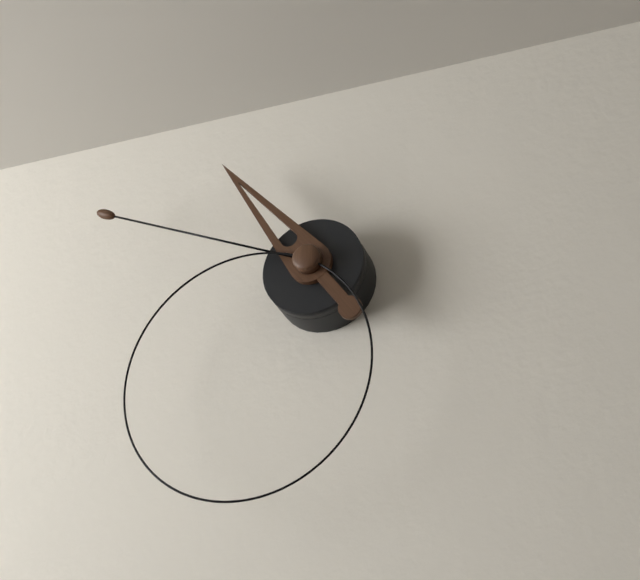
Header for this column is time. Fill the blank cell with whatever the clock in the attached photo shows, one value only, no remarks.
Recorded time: 10:49:35
